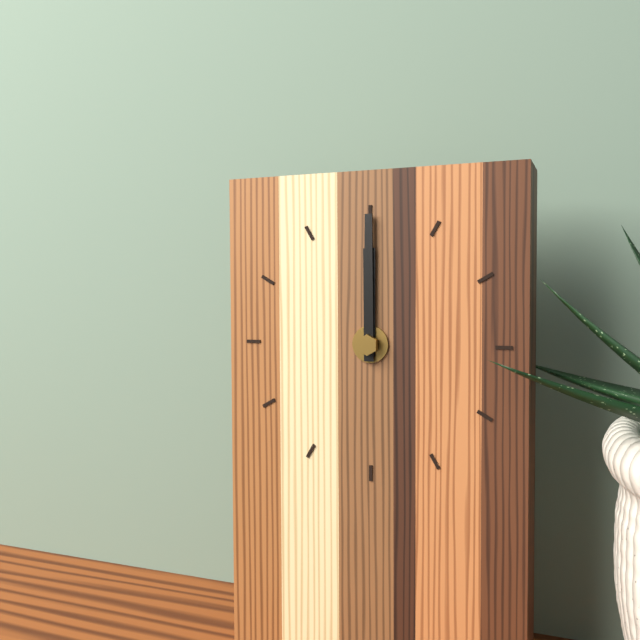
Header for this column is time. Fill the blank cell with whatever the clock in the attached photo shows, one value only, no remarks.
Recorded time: 12:00
